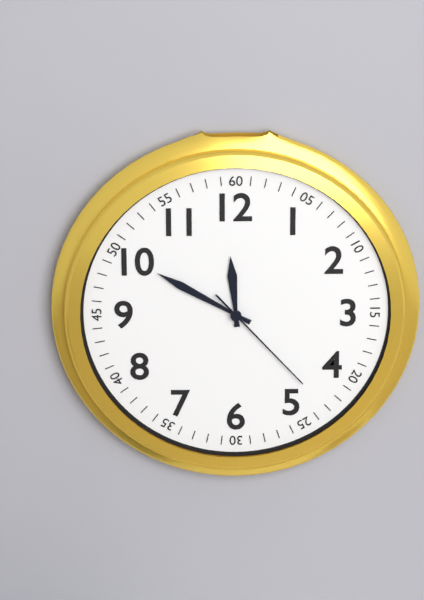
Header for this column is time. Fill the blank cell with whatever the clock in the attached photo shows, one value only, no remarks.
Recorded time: 11:50:23
